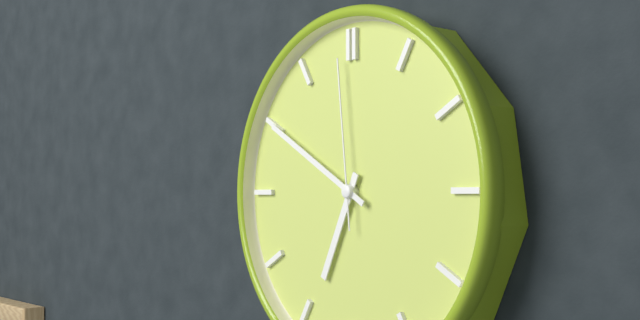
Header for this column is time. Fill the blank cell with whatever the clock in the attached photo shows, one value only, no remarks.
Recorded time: 6:50:59
